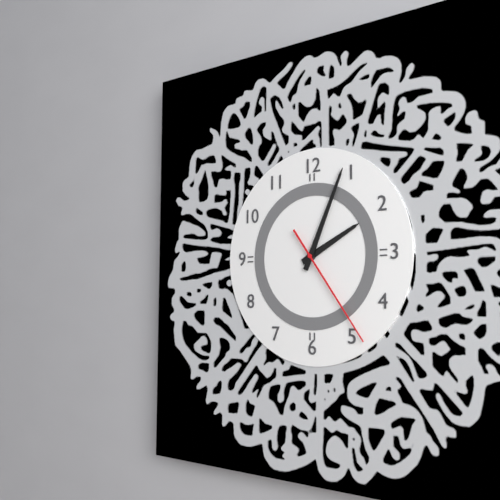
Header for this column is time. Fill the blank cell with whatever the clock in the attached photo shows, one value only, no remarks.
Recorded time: 2:04:24
